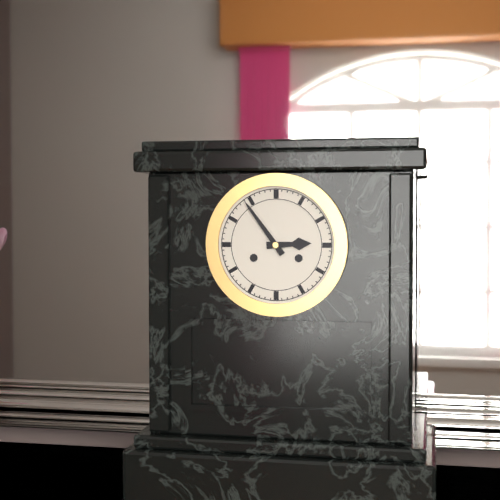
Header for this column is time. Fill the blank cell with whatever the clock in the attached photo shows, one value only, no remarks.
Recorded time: 2:54
